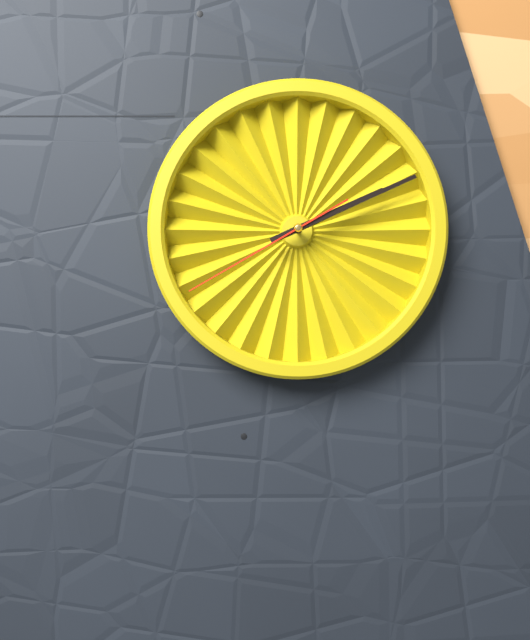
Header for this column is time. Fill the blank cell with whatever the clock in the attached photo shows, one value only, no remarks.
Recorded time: 2:11:40
